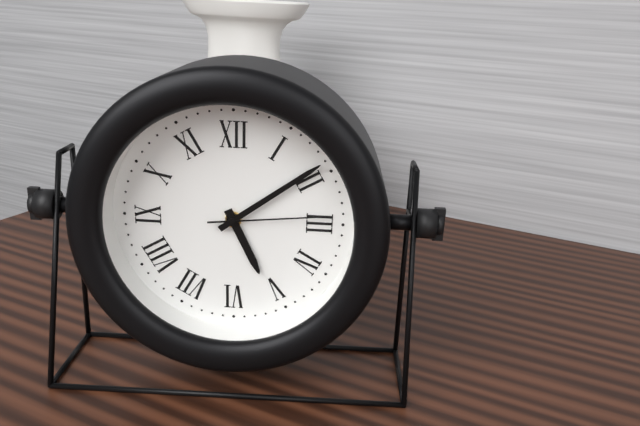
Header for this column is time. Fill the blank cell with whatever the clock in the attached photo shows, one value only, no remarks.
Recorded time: 5:09:14
